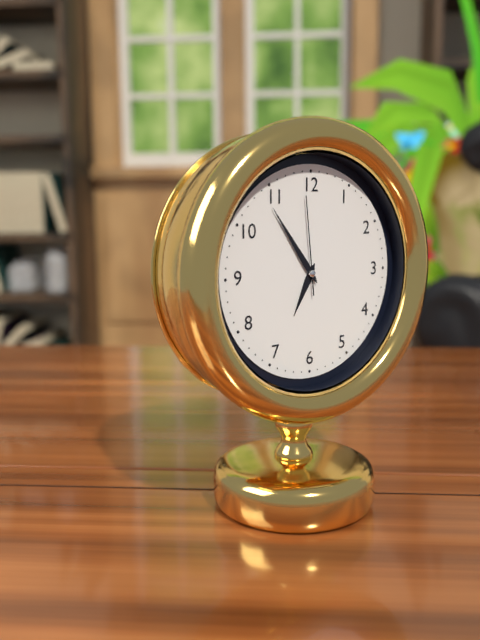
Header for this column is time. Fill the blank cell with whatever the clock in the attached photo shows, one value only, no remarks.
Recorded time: 6:54:59
